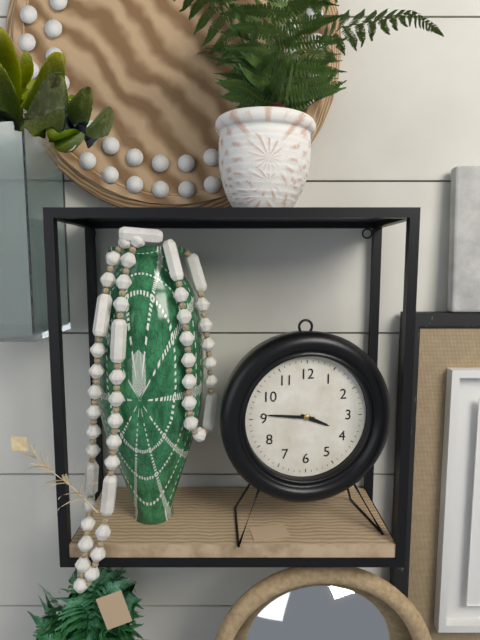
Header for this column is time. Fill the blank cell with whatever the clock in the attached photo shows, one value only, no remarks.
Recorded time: 3:46
